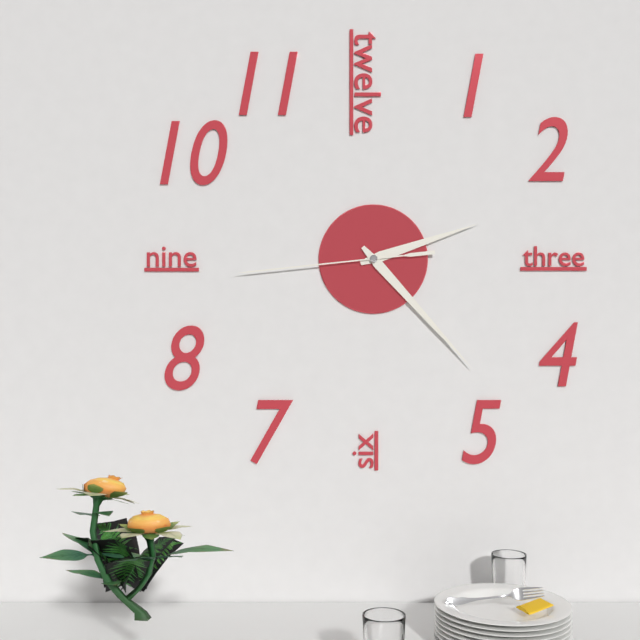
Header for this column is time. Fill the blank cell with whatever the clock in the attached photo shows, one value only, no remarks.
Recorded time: 2:23:44
